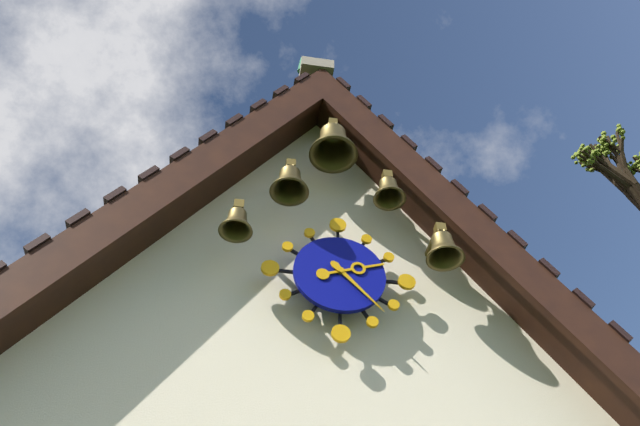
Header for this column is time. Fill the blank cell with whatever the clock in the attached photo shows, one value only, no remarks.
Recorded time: 2:23
